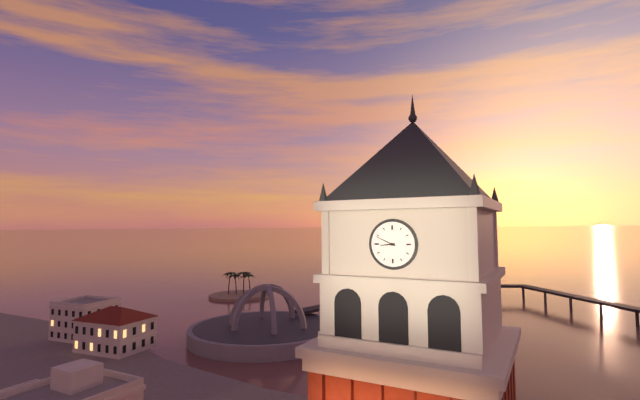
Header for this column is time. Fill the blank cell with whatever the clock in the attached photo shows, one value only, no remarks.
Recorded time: 8:49
